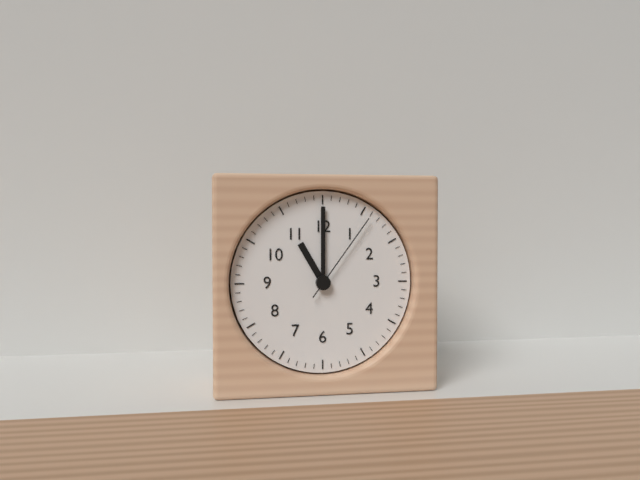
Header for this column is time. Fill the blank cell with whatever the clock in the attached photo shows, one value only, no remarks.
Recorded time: 11:00:06
